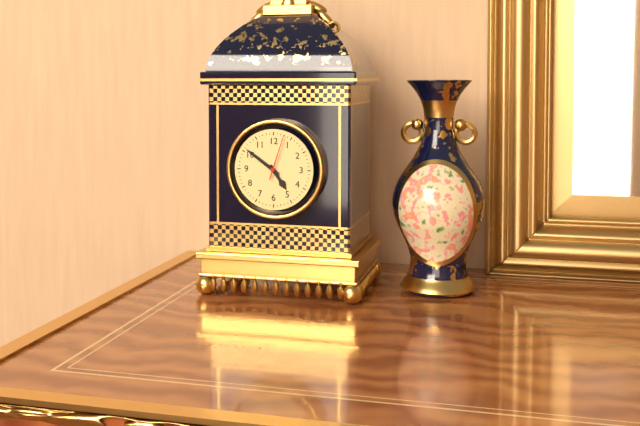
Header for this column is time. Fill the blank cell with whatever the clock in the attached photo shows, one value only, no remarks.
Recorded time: 4:51
